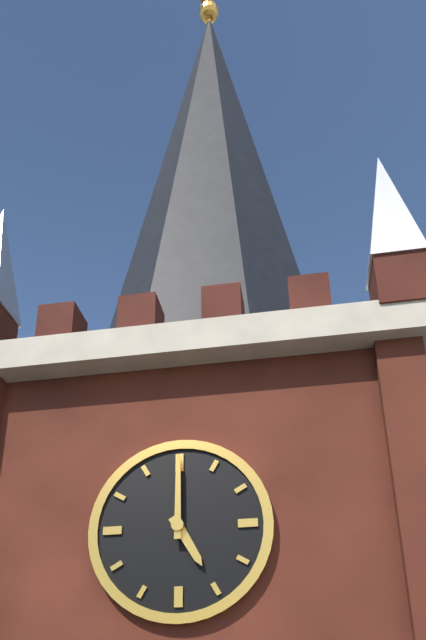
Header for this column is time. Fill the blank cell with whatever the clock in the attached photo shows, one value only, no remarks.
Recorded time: 5:00
